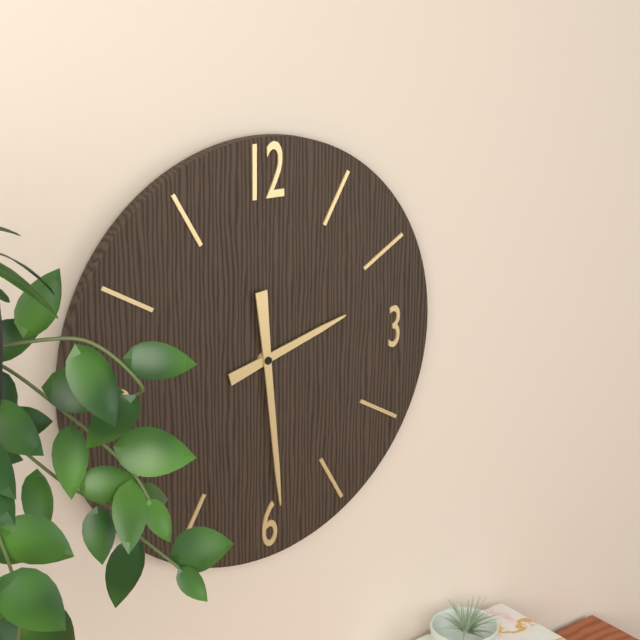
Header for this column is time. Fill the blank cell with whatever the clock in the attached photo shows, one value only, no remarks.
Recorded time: 2:29
